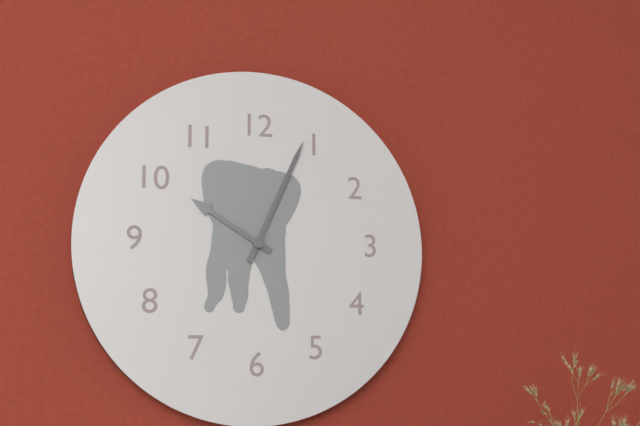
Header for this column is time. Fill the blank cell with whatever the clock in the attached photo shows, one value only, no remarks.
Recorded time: 10:04
